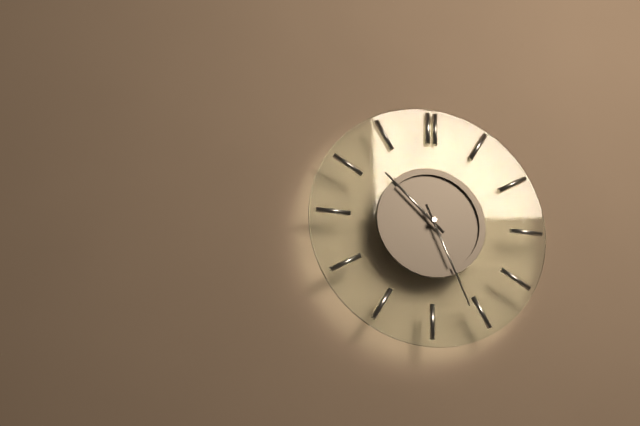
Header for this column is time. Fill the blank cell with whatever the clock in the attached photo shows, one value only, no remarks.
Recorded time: 10:26
